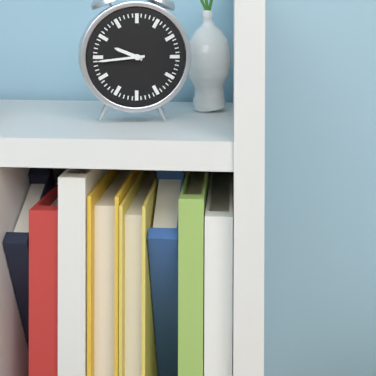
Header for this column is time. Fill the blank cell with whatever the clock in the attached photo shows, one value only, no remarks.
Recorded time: 9:44
